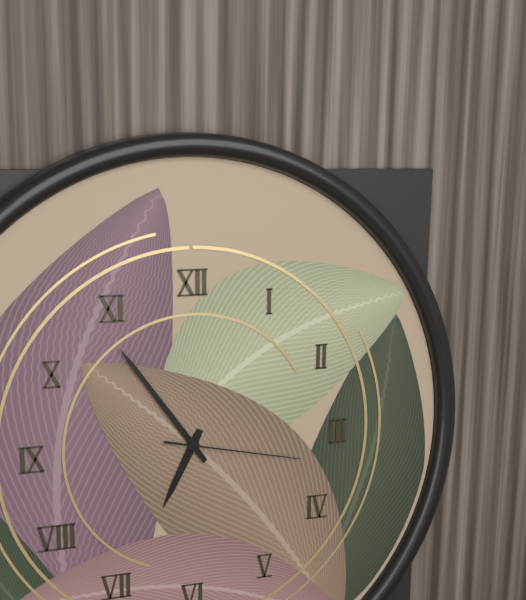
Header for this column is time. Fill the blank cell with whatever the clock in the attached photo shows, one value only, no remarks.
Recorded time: 6:54:17
